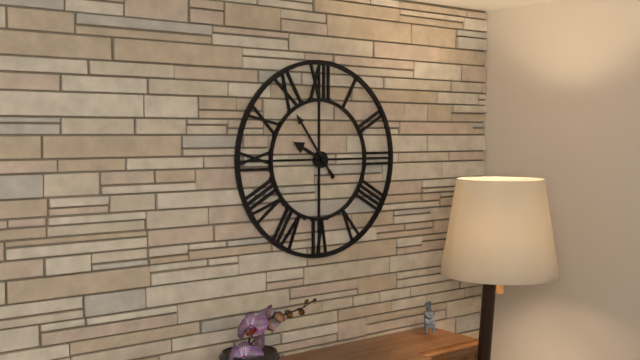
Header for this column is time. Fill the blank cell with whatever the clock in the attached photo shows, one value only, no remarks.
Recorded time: 9:54
